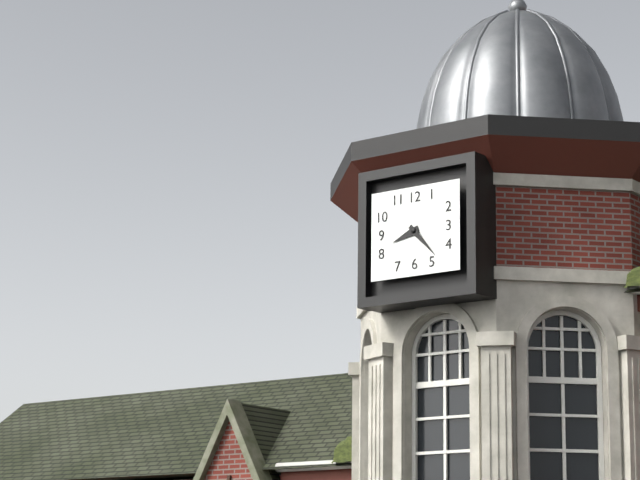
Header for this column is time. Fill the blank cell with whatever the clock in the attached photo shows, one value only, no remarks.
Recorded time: 8:23
